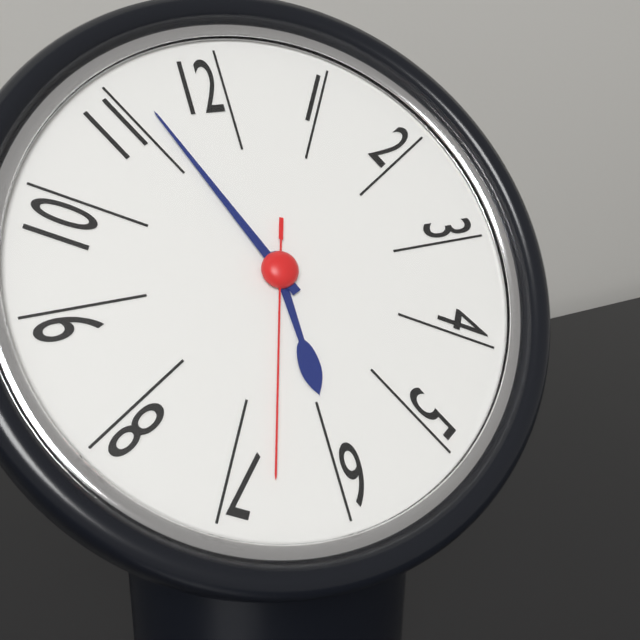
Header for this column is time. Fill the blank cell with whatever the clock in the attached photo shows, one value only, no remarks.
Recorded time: 5:56:33
